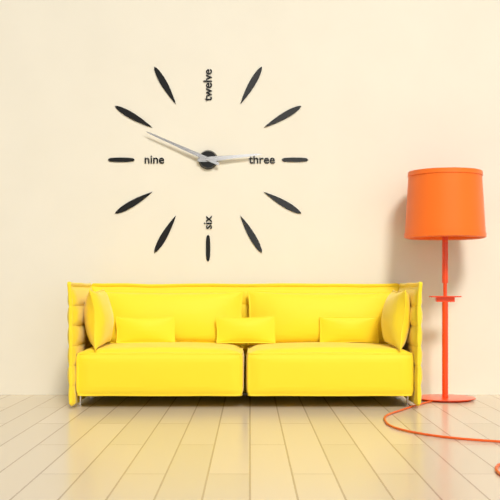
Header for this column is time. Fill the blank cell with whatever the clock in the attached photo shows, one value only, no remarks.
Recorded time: 2:49
